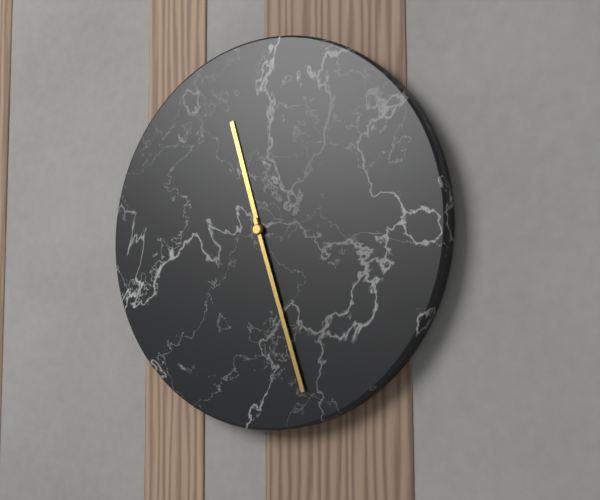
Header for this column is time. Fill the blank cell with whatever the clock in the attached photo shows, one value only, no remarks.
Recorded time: 11:27
